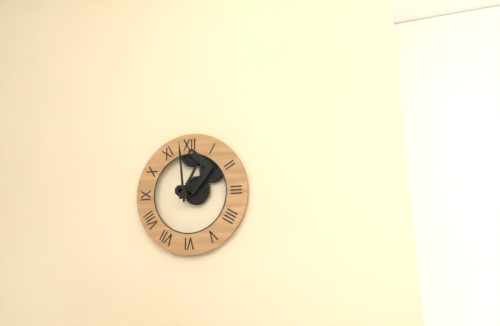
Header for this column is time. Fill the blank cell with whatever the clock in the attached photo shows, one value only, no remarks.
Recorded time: 12:59
